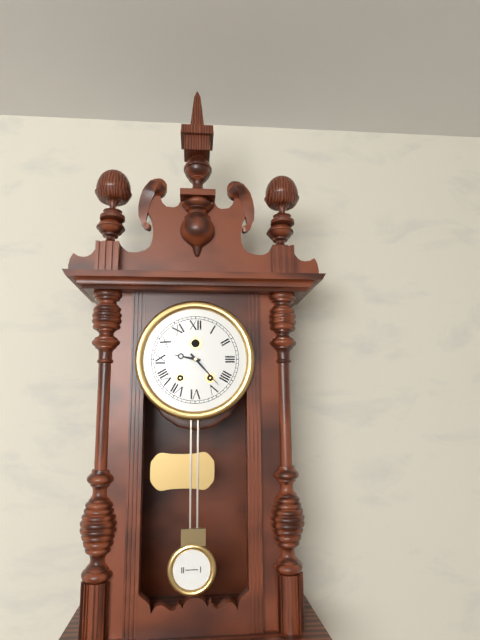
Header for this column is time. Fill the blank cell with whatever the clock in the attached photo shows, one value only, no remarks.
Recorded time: 9:23
